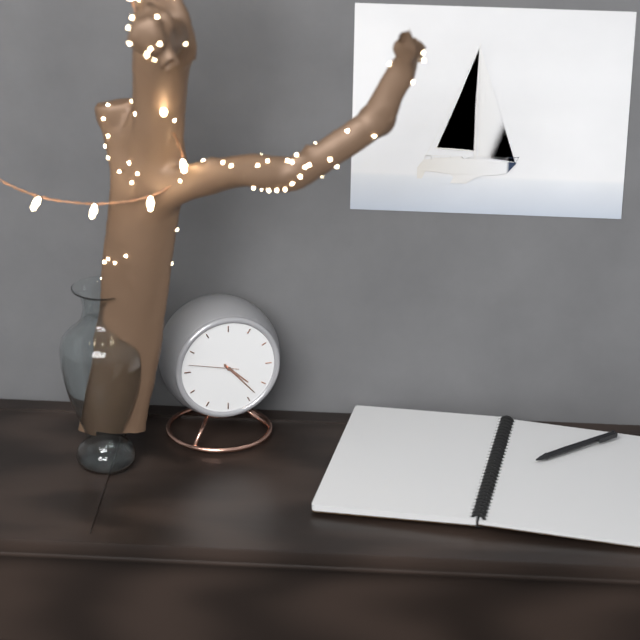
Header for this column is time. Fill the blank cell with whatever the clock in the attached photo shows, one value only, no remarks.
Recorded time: 4:23:47
